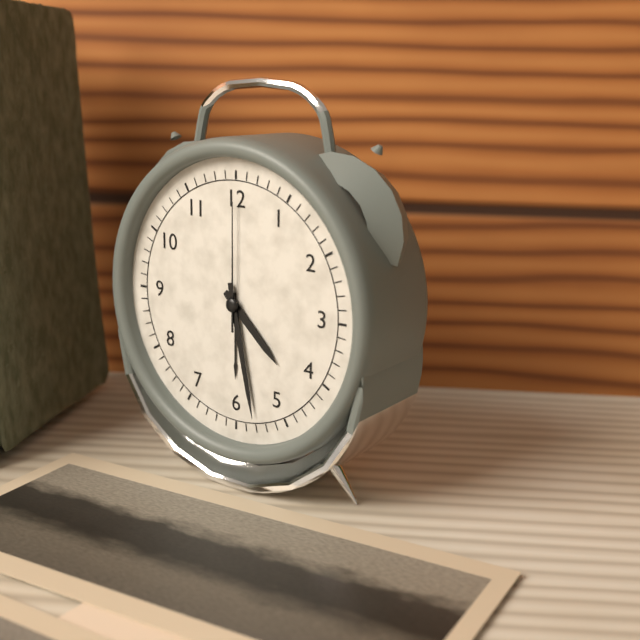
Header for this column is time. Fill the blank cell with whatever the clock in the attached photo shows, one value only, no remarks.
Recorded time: 4:28:00
